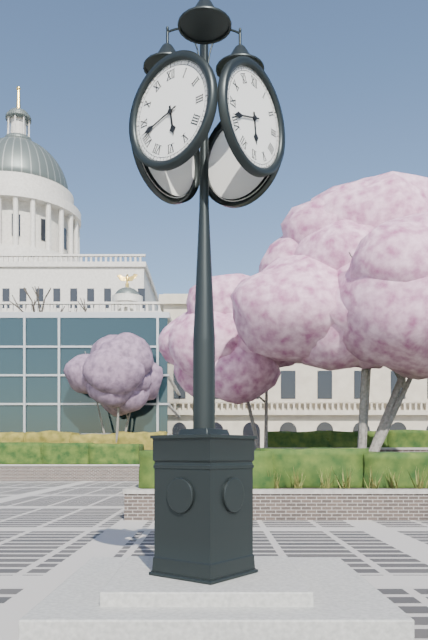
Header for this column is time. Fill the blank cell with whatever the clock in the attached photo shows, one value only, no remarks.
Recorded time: 5:42
